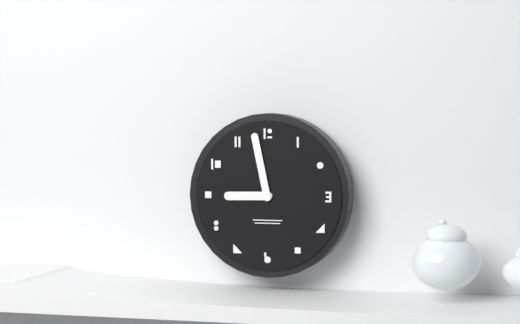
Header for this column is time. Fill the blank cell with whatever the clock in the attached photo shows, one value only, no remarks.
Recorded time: 8:58
